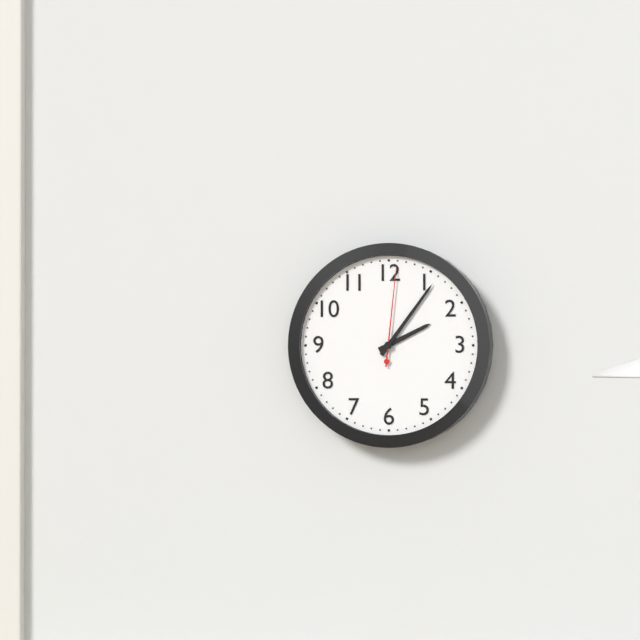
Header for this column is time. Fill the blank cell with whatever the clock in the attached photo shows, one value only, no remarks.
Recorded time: 2:06:01
